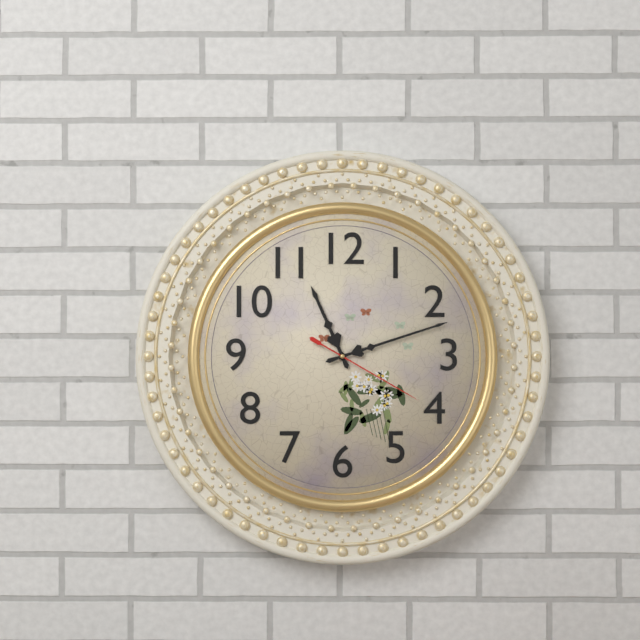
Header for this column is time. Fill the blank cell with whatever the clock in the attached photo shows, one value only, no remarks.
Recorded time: 11:12:20
